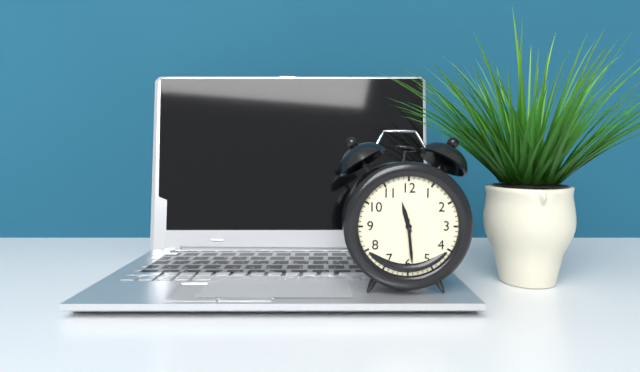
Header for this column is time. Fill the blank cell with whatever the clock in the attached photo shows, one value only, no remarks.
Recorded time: 11:29
